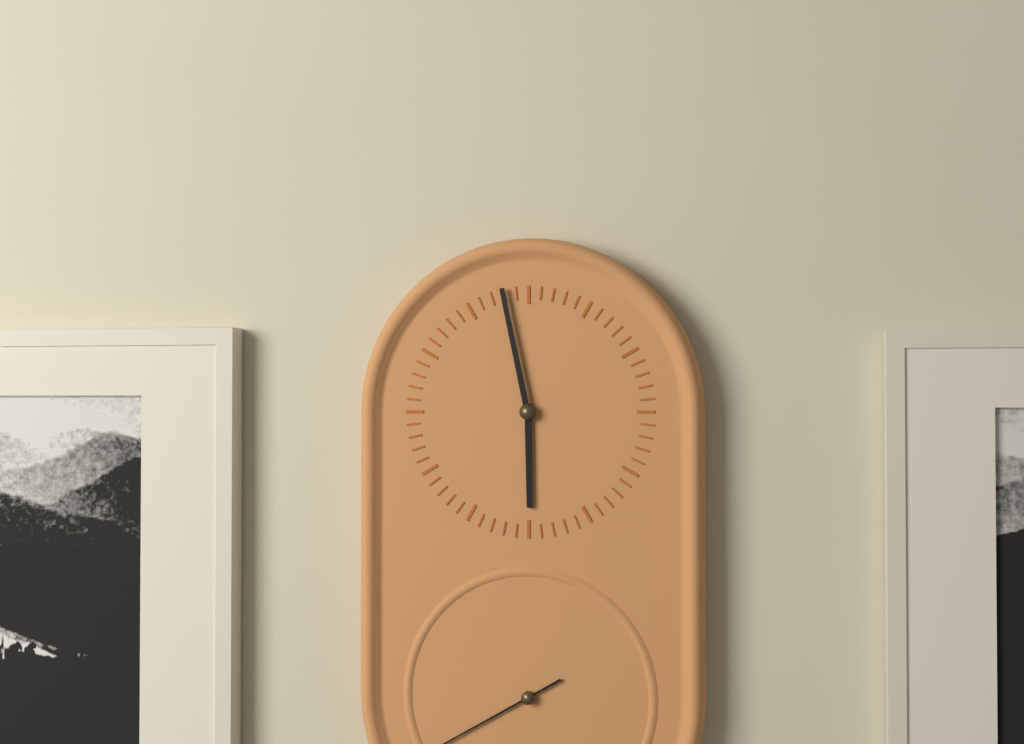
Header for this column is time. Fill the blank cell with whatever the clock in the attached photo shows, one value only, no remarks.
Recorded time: 5:58
